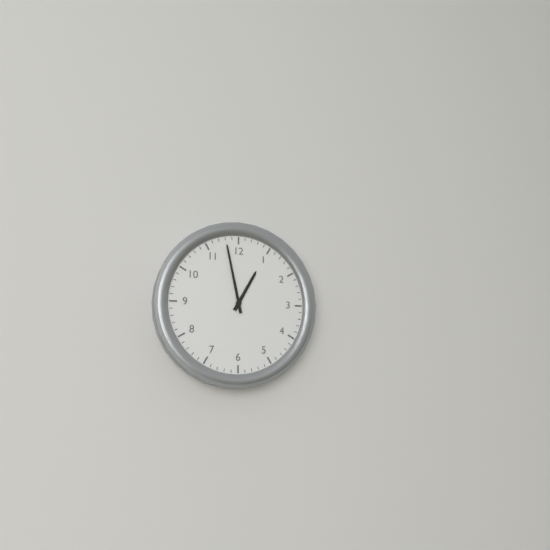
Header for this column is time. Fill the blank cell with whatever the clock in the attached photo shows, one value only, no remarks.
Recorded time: 12:58
